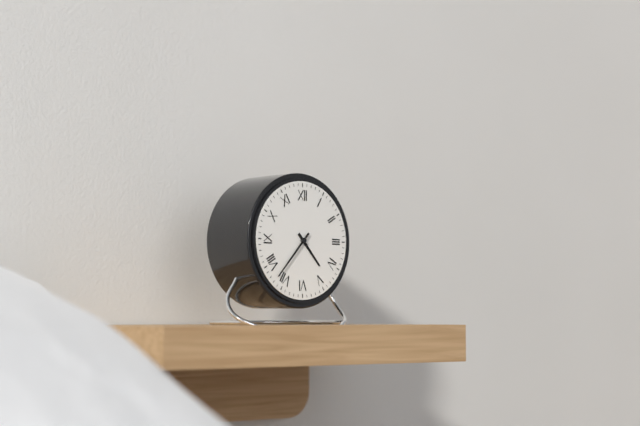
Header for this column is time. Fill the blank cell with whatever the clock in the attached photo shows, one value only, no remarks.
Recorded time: 4:37
